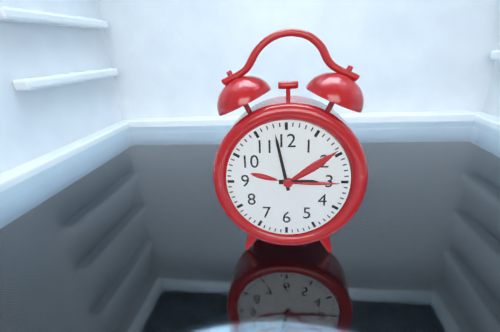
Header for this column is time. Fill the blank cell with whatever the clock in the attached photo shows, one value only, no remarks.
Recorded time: 2:58
